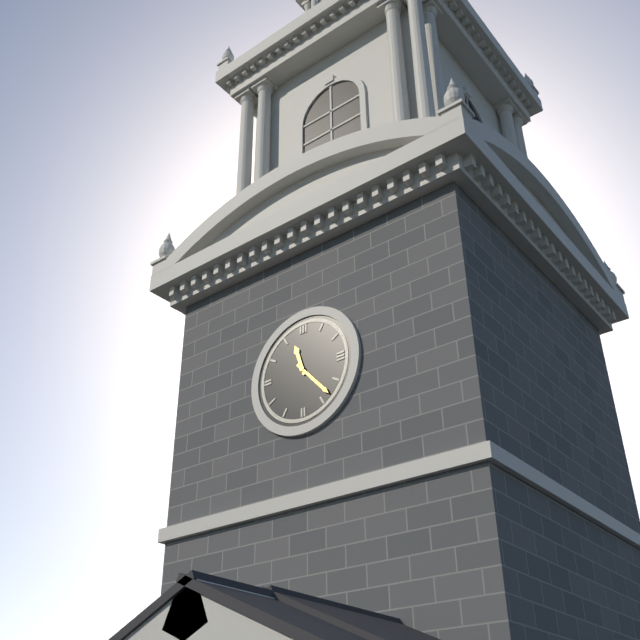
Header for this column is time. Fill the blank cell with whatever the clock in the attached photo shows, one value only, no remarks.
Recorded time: 11:23
